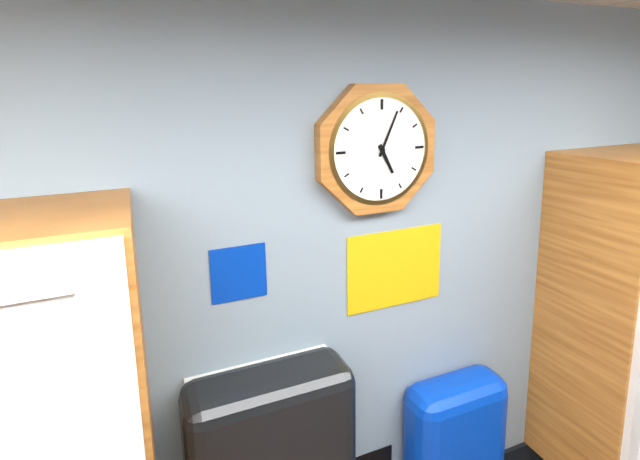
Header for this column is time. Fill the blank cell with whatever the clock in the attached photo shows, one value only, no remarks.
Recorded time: 5:04
